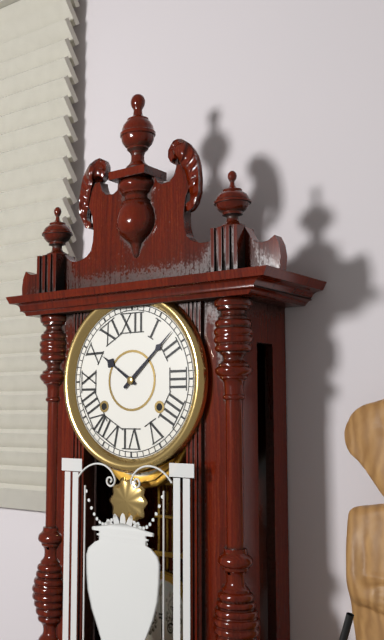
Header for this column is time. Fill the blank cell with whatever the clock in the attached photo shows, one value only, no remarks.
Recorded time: 10:08
